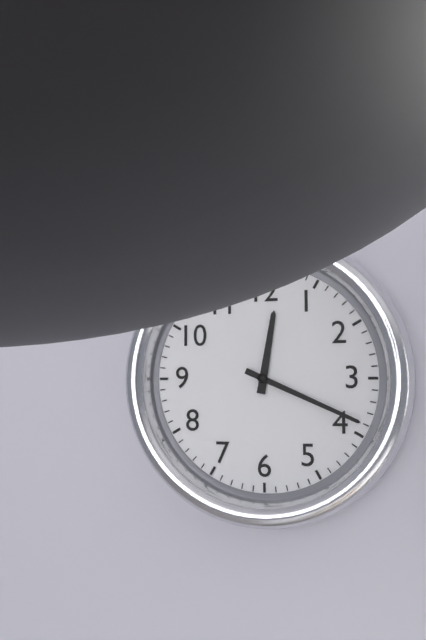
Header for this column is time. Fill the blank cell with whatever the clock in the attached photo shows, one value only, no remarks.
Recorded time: 12:19
